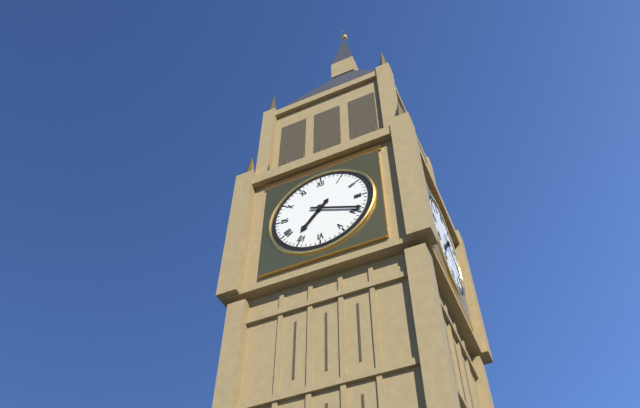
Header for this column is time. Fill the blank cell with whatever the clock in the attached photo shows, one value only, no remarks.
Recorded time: 7:19
